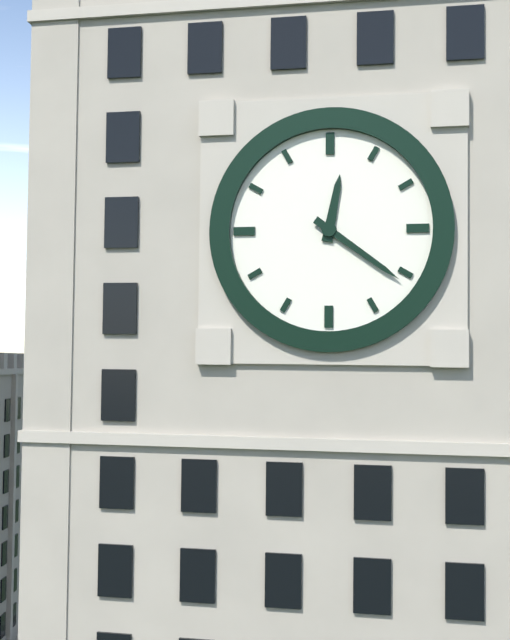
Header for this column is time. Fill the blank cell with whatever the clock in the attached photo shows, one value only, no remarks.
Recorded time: 12:21
